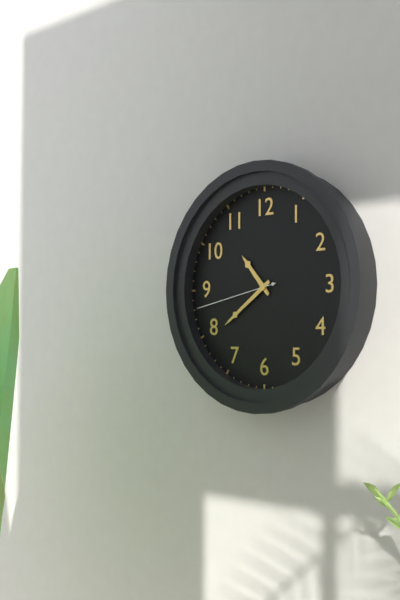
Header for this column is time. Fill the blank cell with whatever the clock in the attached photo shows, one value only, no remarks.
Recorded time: 10:39:43
